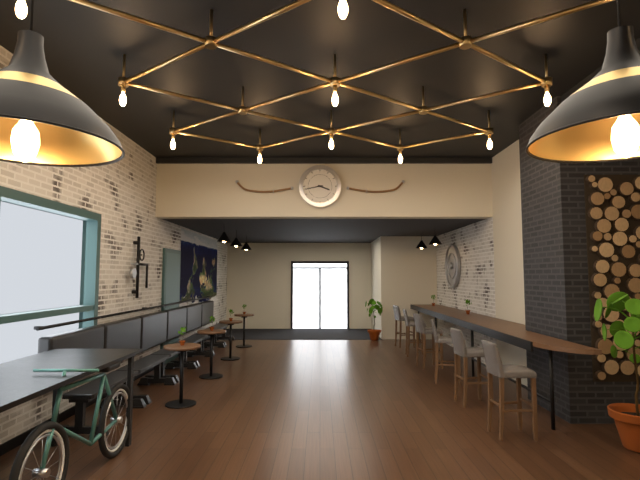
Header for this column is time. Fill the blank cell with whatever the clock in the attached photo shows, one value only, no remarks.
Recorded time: 3:43
